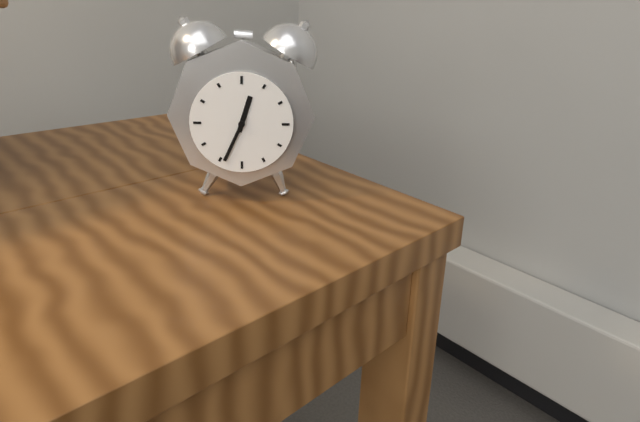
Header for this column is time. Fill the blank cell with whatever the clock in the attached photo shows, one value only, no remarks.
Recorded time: 12:34
